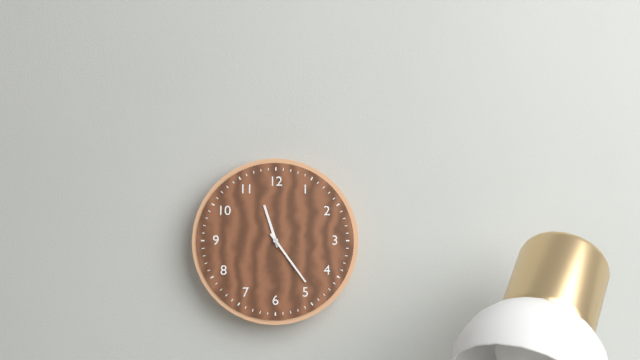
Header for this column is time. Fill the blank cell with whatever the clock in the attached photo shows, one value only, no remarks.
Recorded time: 11:24
